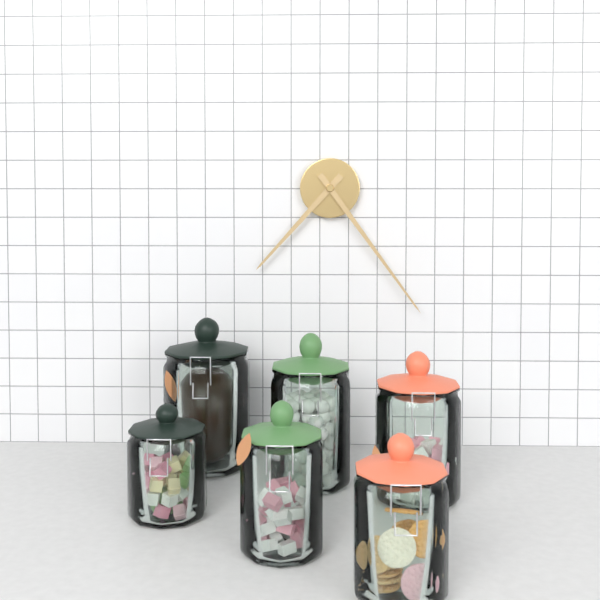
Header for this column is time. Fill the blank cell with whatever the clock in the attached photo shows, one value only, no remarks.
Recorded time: 7:24
